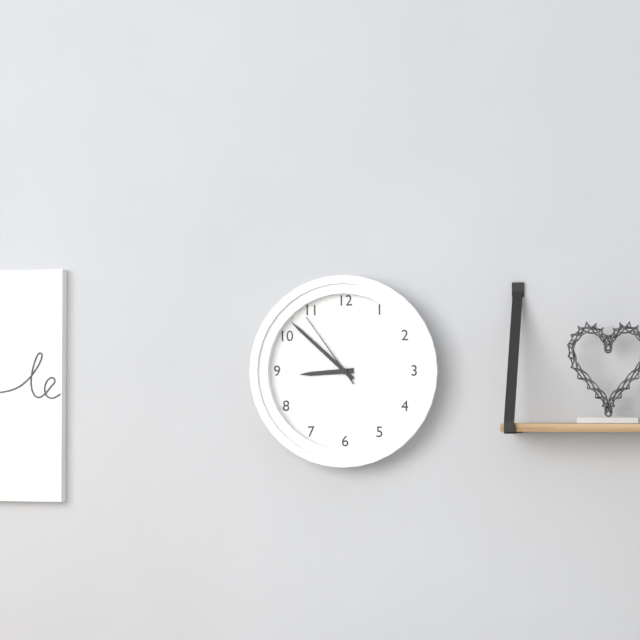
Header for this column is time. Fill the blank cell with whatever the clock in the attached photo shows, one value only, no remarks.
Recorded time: 8:52:54
